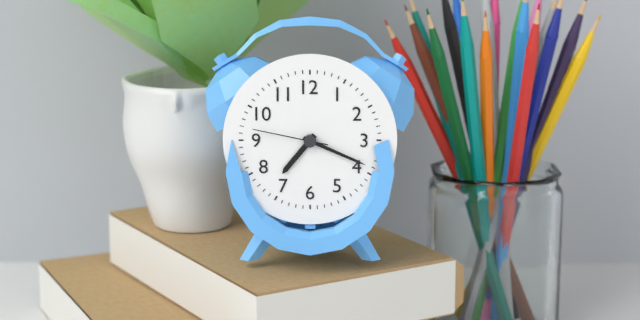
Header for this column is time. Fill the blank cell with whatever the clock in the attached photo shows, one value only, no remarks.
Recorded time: 7:19:47
